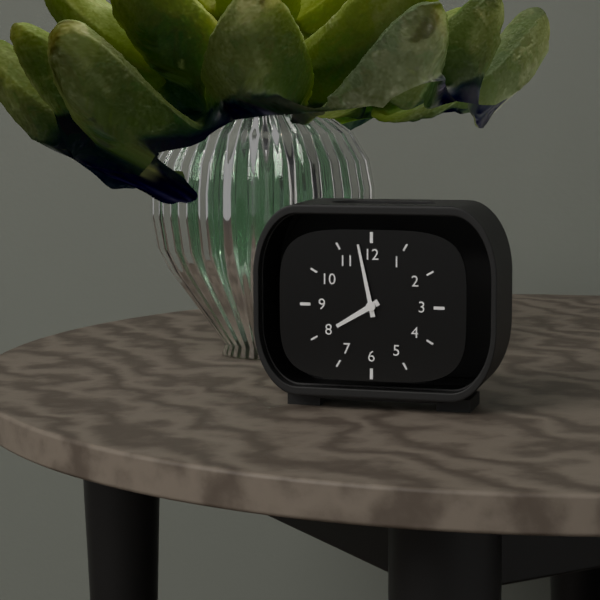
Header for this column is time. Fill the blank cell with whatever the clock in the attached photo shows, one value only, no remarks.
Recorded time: 7:58
